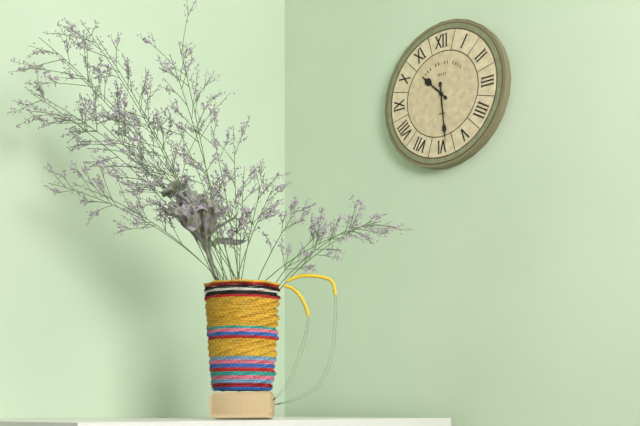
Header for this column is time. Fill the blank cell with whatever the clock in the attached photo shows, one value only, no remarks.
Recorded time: 10:29
